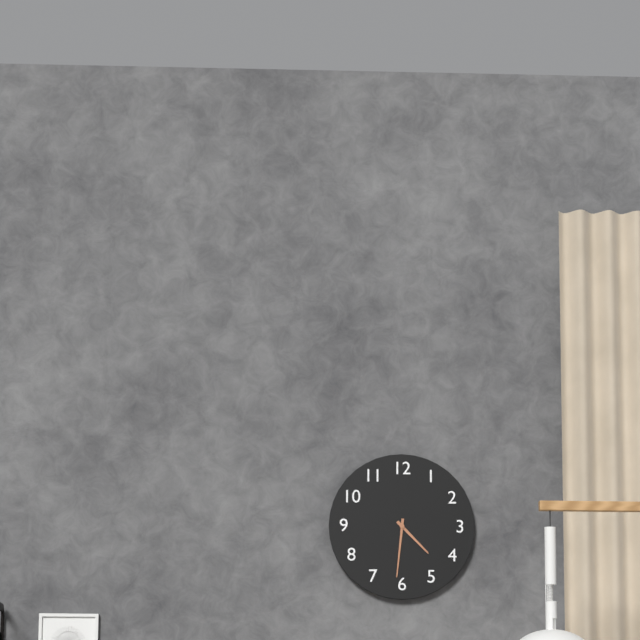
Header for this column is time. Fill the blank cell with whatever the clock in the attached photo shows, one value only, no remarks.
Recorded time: 4:31
